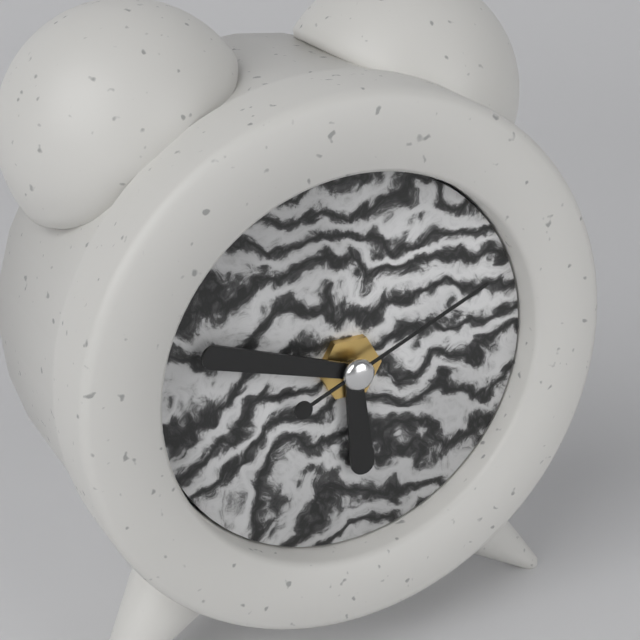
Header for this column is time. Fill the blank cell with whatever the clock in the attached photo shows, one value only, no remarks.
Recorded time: 5:48:11
